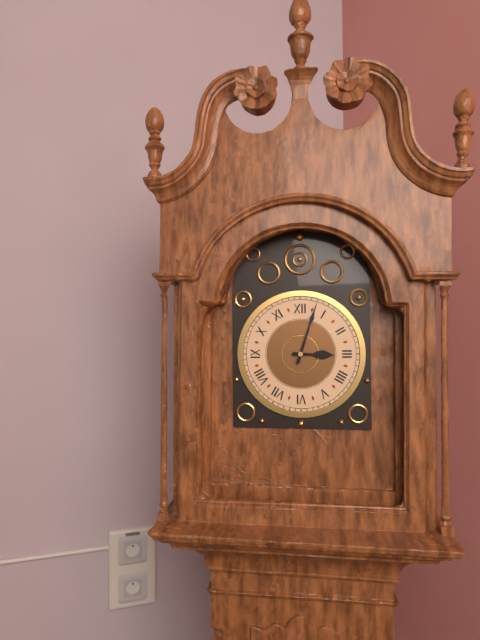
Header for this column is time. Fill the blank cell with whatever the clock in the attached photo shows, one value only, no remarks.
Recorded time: 3:03
